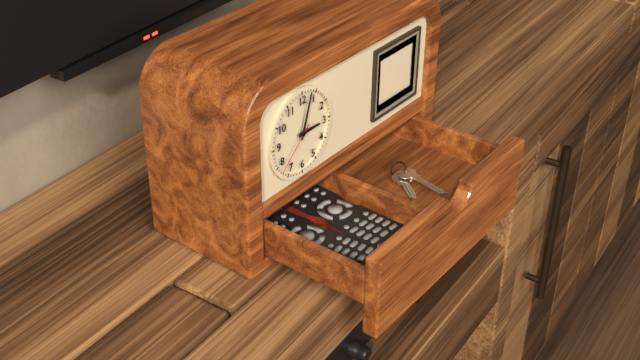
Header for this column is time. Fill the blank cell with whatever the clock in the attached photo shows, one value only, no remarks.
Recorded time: 3:03:38
